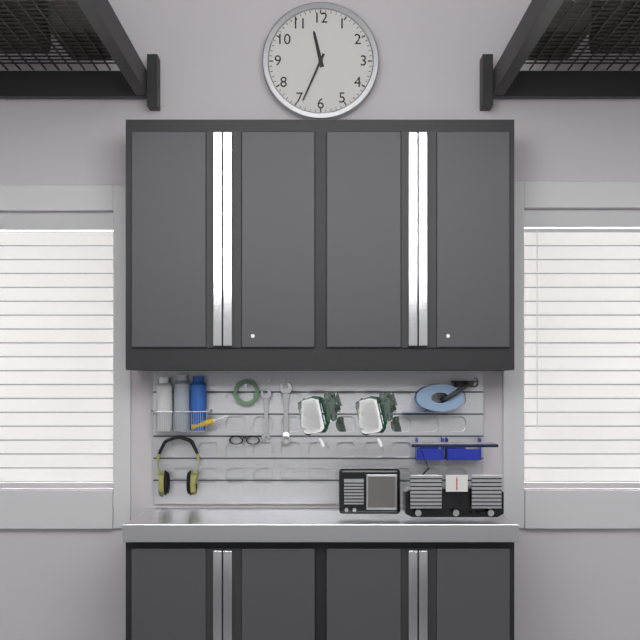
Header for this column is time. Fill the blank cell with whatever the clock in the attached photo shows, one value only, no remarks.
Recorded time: 11:34
